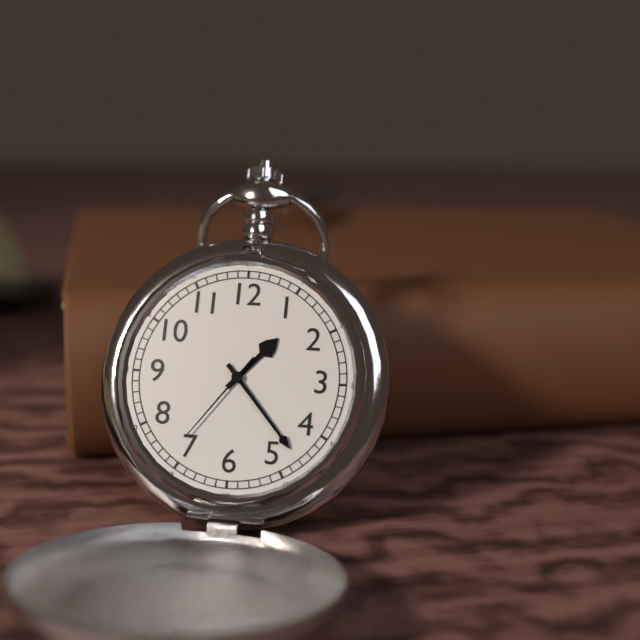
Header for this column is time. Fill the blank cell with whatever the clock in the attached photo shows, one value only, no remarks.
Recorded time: 1:23:36
